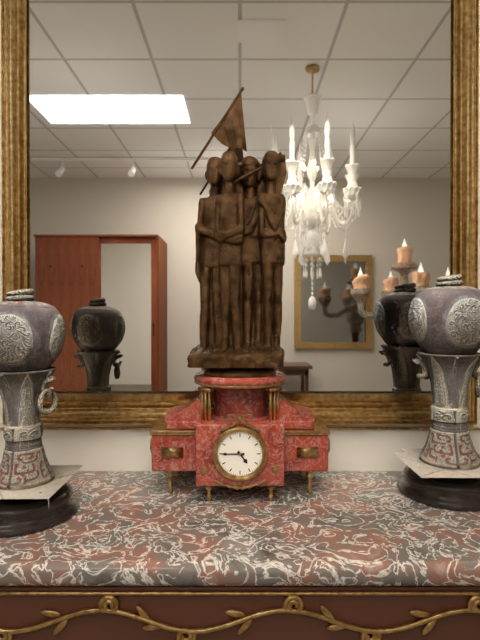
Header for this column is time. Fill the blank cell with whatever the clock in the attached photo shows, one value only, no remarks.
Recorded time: 4:45
